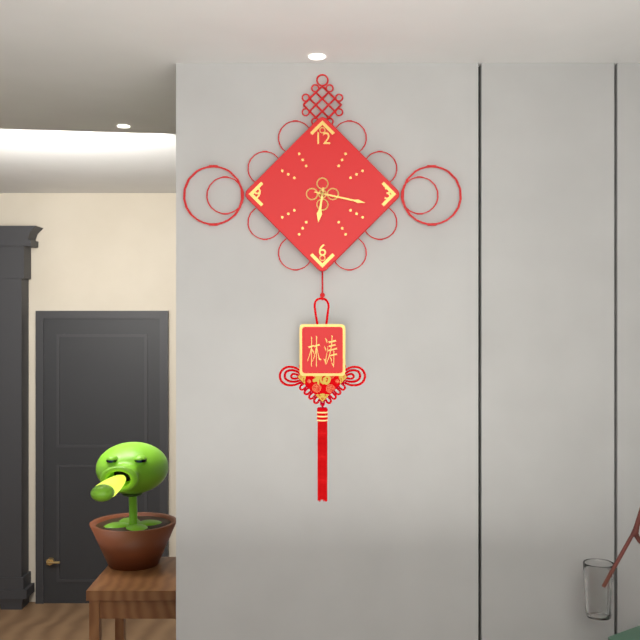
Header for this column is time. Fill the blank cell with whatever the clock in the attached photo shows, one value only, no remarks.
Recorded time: 6:17
